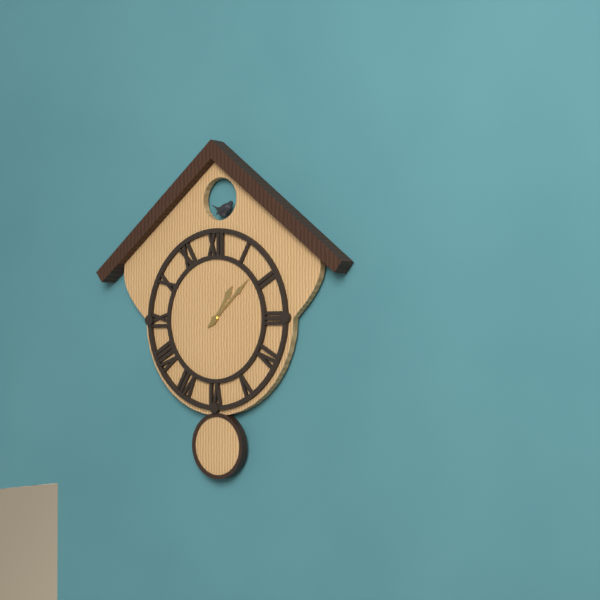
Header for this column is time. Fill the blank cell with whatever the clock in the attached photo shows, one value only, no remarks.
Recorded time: 1:08
